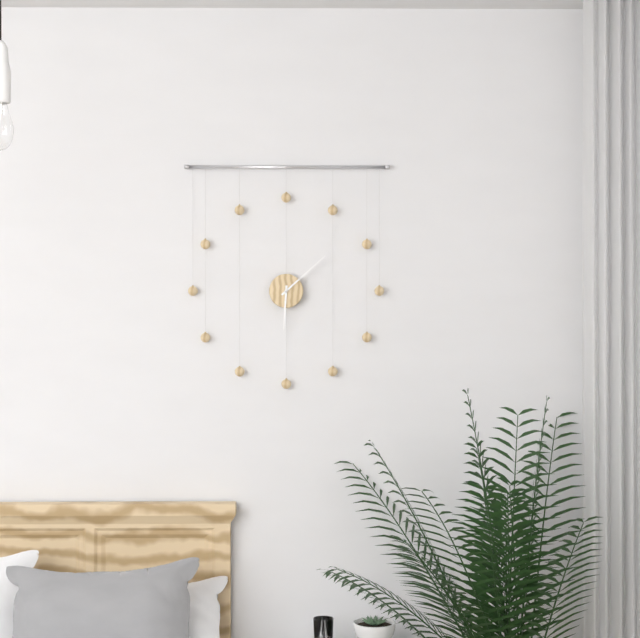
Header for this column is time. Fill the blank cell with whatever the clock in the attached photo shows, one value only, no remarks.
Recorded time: 6:08
